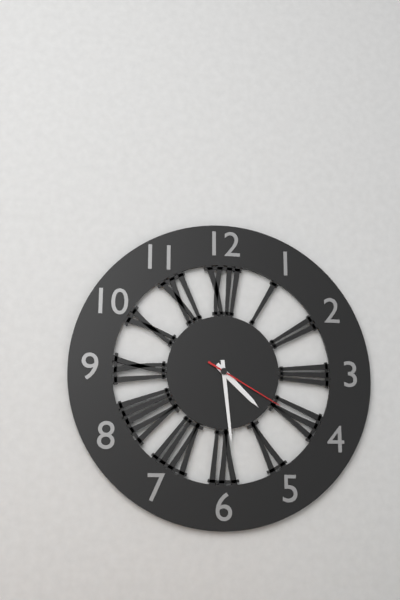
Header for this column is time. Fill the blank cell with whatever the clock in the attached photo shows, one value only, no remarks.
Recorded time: 4:29:20
